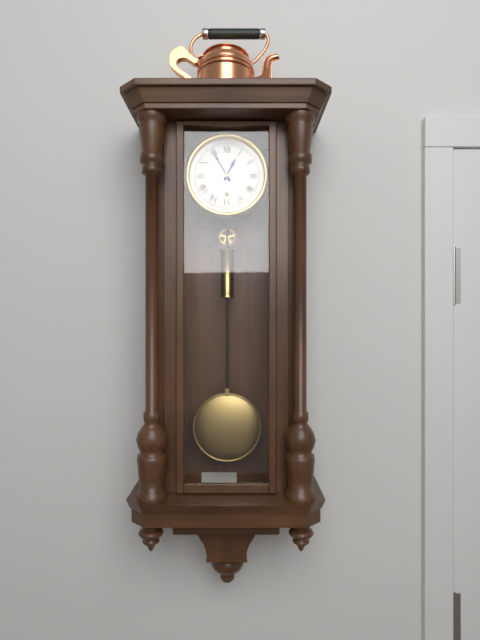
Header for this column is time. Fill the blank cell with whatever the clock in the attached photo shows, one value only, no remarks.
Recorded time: 12:55
